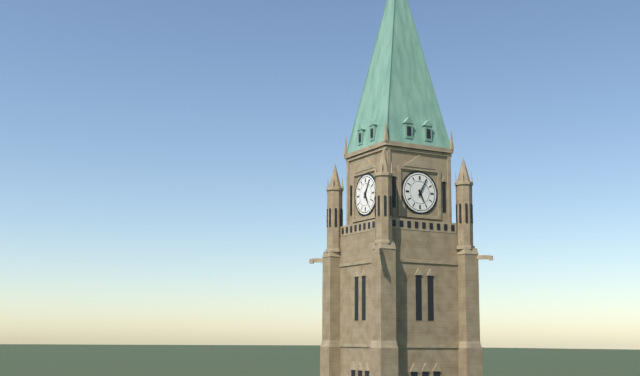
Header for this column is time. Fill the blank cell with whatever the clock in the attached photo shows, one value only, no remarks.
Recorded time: 5:05
